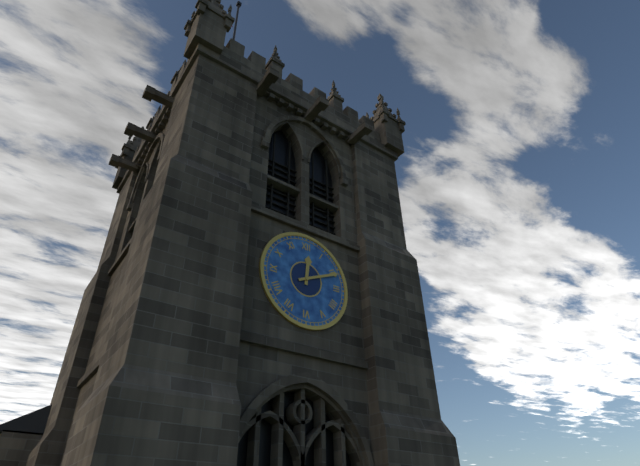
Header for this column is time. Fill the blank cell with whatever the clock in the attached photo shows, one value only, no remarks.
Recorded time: 12:11
